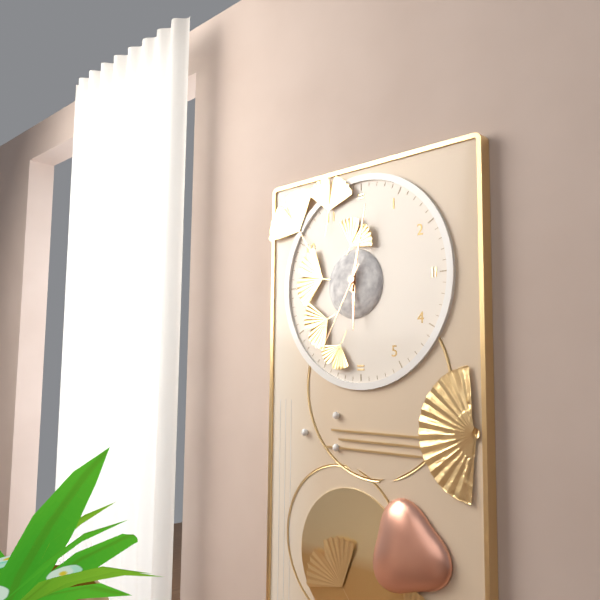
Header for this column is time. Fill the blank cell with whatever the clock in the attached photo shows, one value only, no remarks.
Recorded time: 6:02:35
